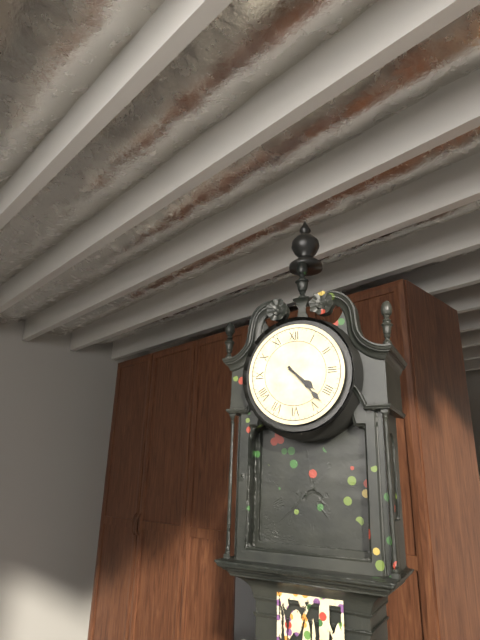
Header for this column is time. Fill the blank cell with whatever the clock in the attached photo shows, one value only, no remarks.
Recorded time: 4:23
